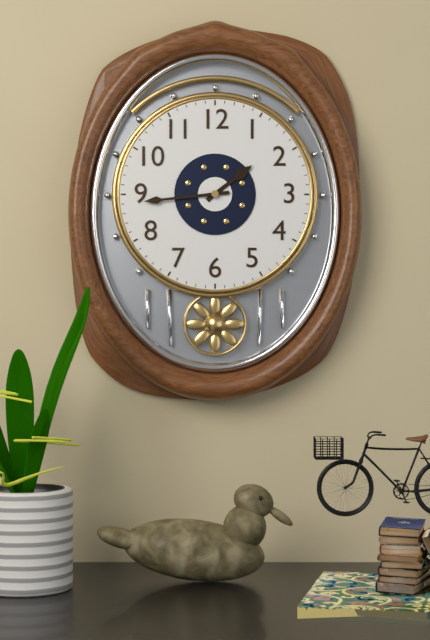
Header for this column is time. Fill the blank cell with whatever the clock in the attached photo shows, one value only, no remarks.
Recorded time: 1:44
